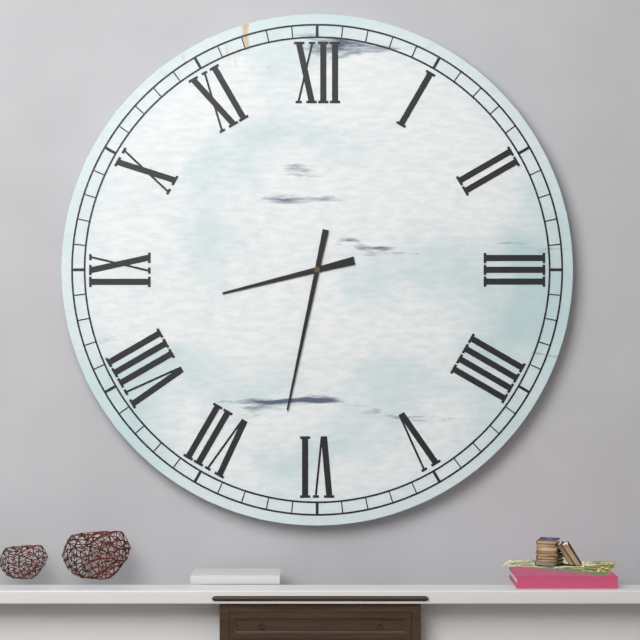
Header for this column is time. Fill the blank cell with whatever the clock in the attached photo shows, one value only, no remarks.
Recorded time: 8:32
